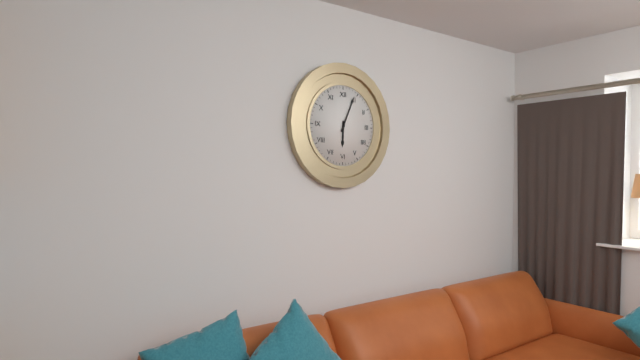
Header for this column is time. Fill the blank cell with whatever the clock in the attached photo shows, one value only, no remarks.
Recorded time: 6:04
